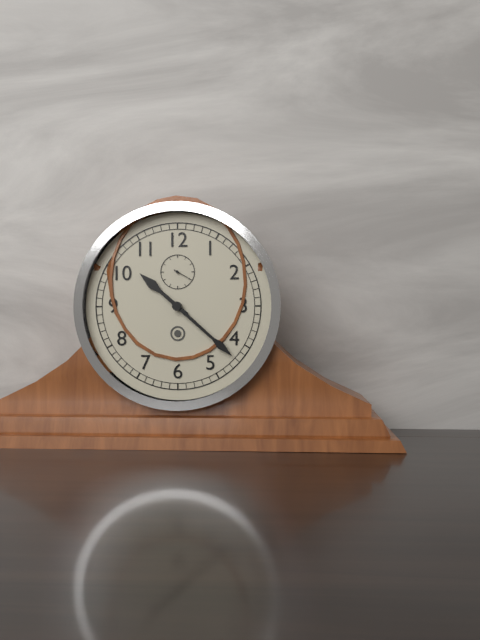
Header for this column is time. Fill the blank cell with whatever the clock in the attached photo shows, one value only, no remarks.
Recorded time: 10:22
